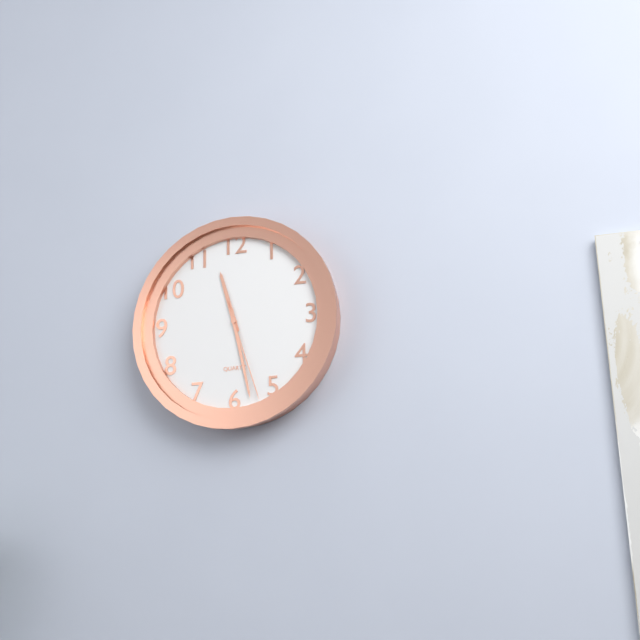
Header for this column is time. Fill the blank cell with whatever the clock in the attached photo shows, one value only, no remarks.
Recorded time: 11:28:27
